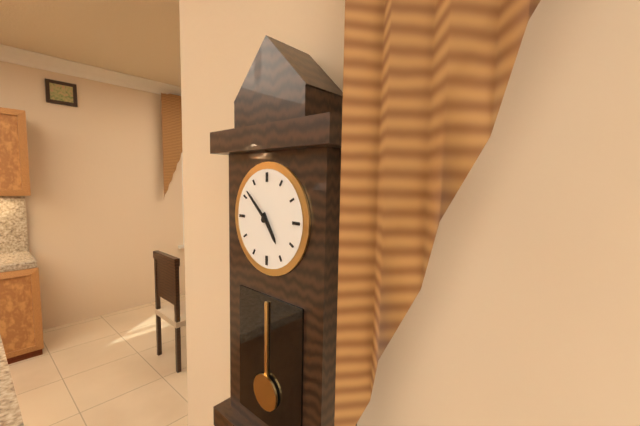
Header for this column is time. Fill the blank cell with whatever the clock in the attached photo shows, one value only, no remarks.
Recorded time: 4:52
